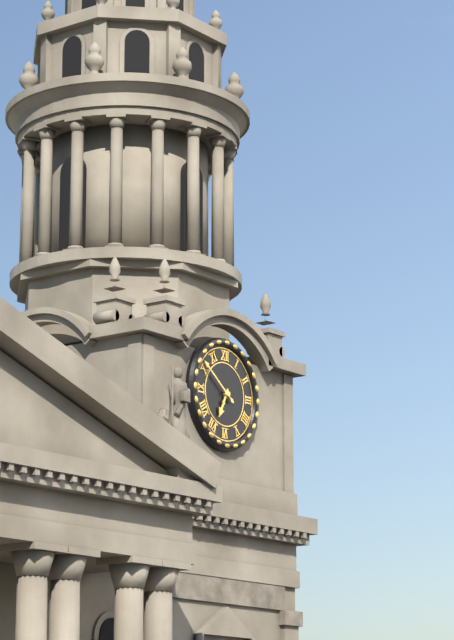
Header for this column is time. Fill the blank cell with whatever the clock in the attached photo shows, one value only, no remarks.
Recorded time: 6:51
